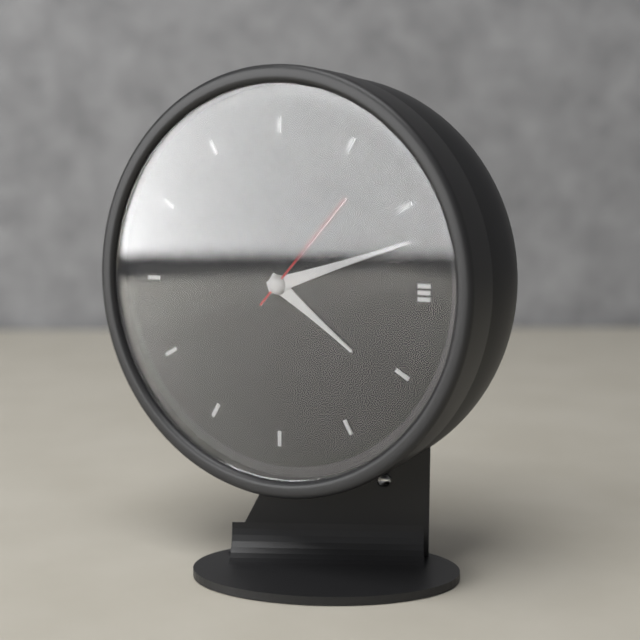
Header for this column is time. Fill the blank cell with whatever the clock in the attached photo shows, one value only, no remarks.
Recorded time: 4:12:07
